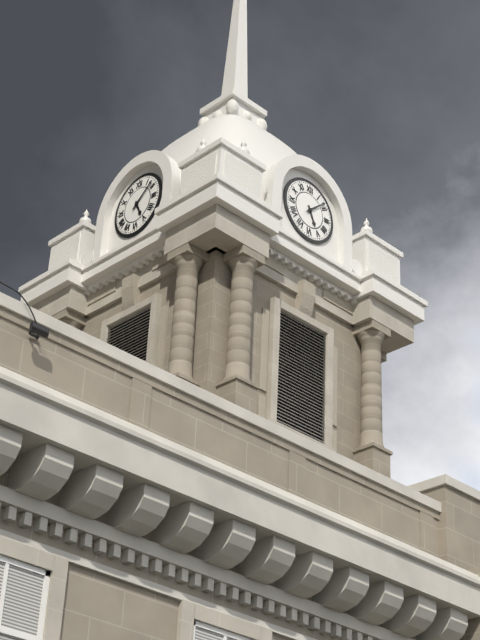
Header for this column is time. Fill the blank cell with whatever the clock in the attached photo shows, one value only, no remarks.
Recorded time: 5:08
